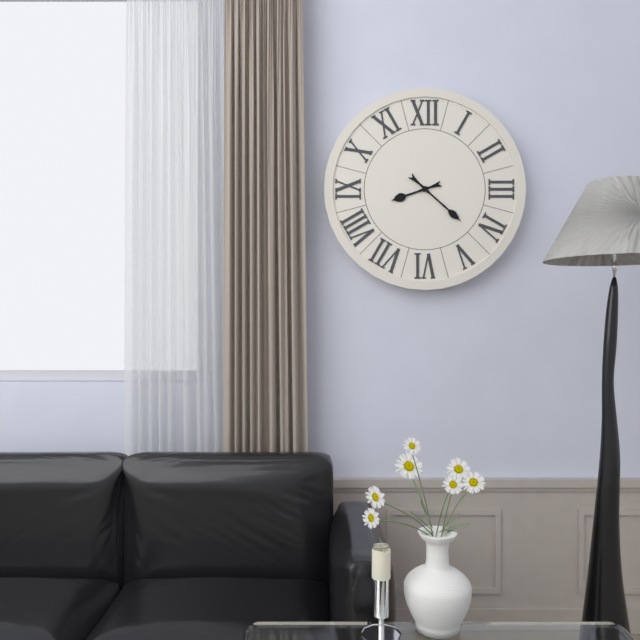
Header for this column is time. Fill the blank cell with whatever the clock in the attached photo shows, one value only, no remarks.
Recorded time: 8:22
